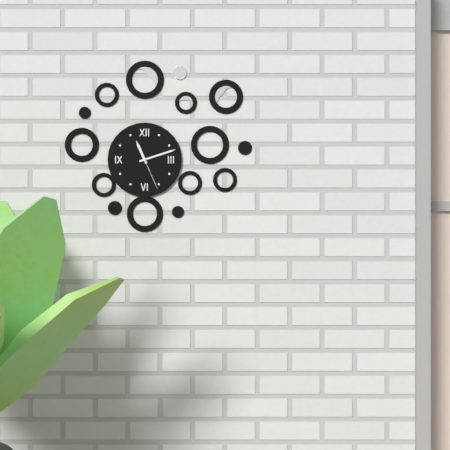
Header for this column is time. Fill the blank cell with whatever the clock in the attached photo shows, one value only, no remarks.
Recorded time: 11:12
